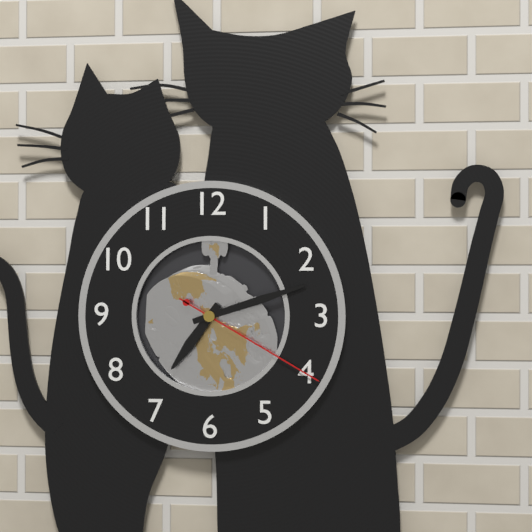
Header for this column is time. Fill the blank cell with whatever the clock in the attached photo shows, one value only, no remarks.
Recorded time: 7:12:20
